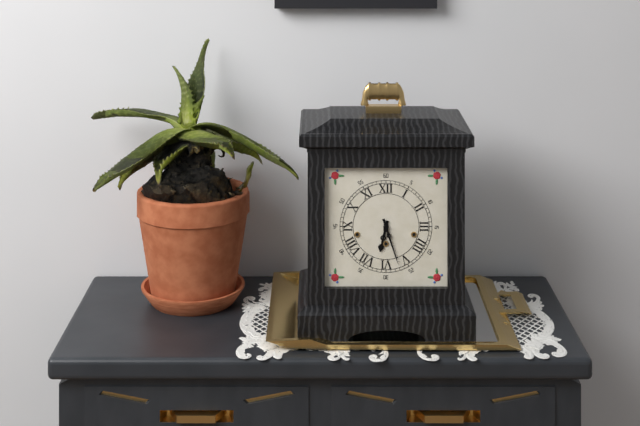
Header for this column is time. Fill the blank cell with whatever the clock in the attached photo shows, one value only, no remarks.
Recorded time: 6:27
